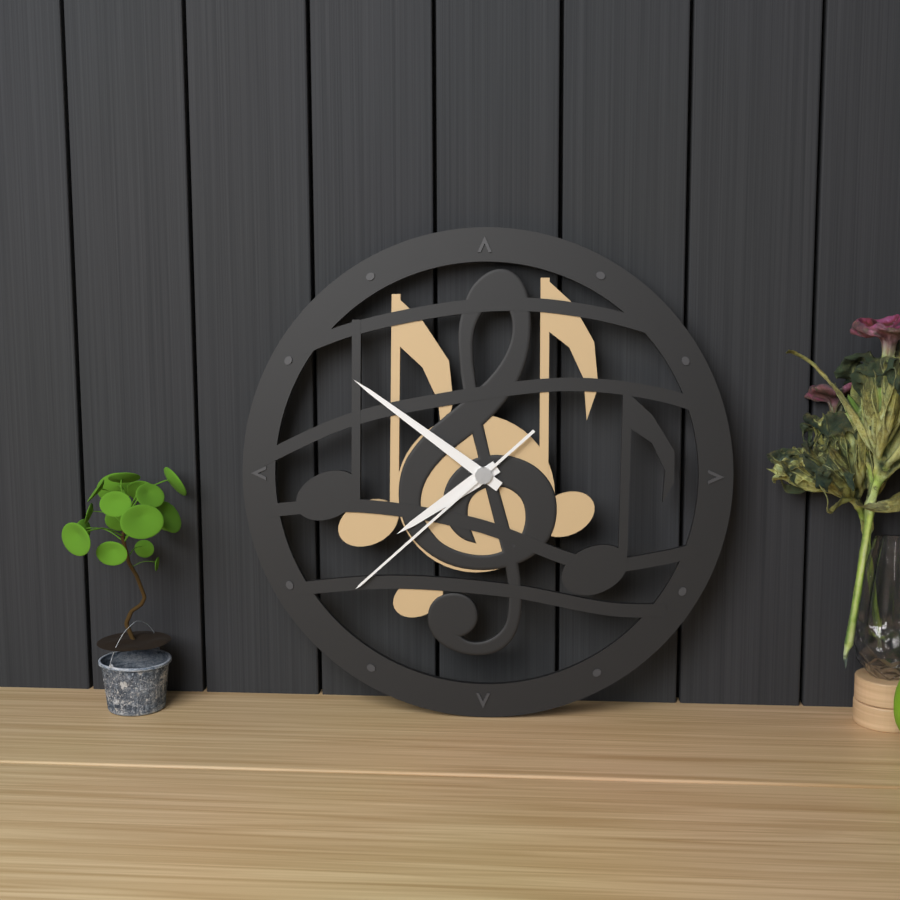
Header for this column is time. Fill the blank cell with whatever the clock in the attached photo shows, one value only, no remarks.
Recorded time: 7:51:38
